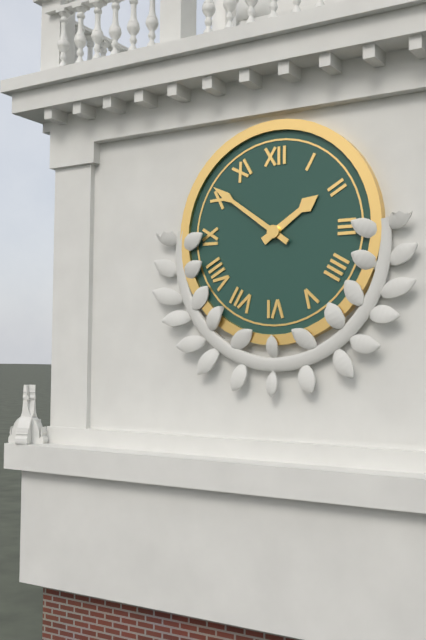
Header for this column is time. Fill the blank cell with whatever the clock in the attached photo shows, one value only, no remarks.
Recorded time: 1:51
